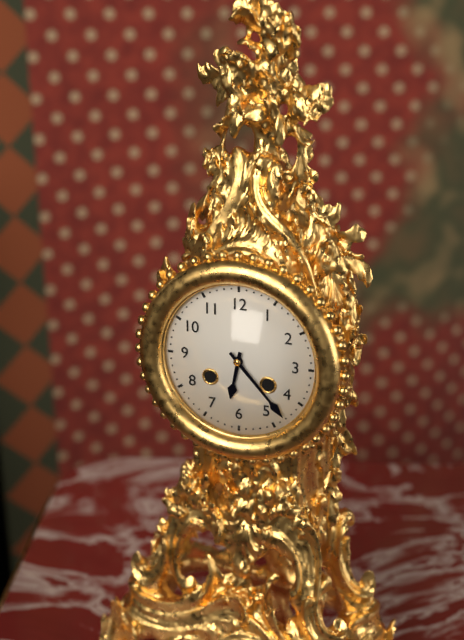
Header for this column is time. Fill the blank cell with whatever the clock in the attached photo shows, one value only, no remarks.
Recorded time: 6:23
